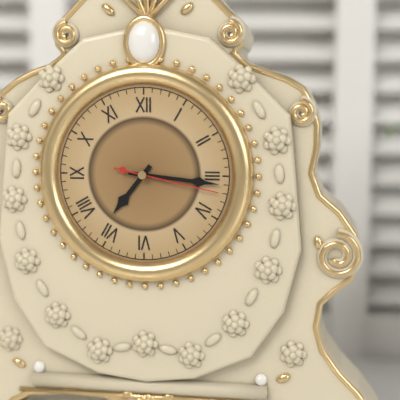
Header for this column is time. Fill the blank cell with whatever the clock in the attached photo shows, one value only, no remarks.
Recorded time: 7:16:17
